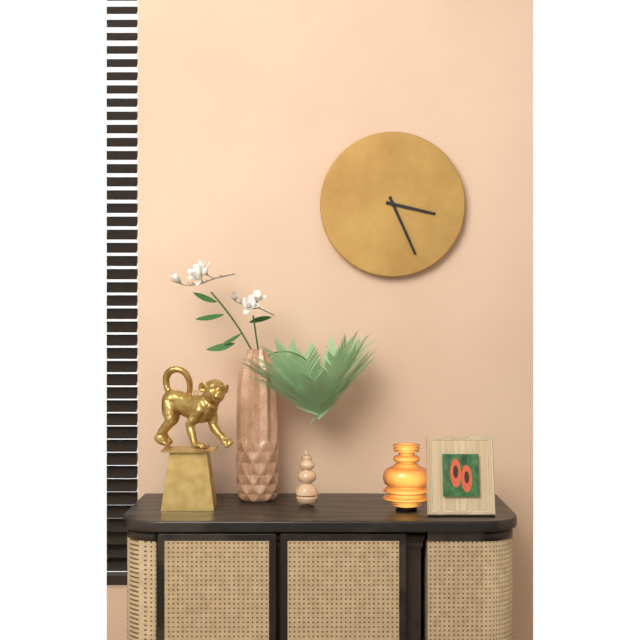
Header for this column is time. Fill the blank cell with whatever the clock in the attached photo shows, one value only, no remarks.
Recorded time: 3:26
